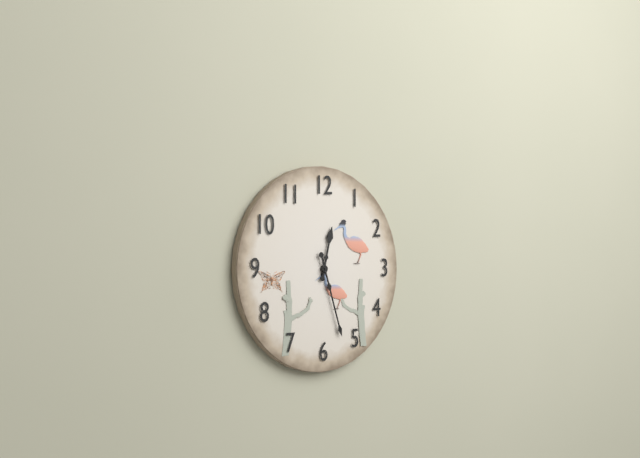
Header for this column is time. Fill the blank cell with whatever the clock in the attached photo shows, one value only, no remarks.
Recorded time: 12:27
